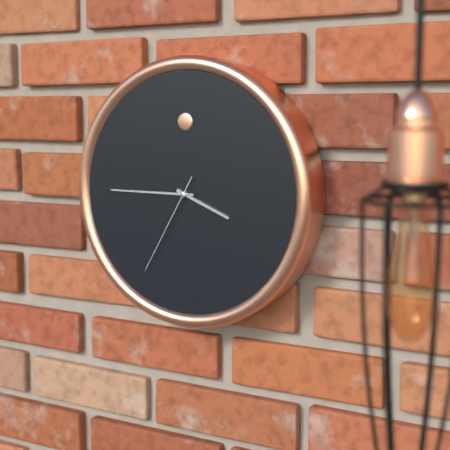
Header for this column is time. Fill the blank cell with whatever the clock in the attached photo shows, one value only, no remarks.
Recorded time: 3:45:35
